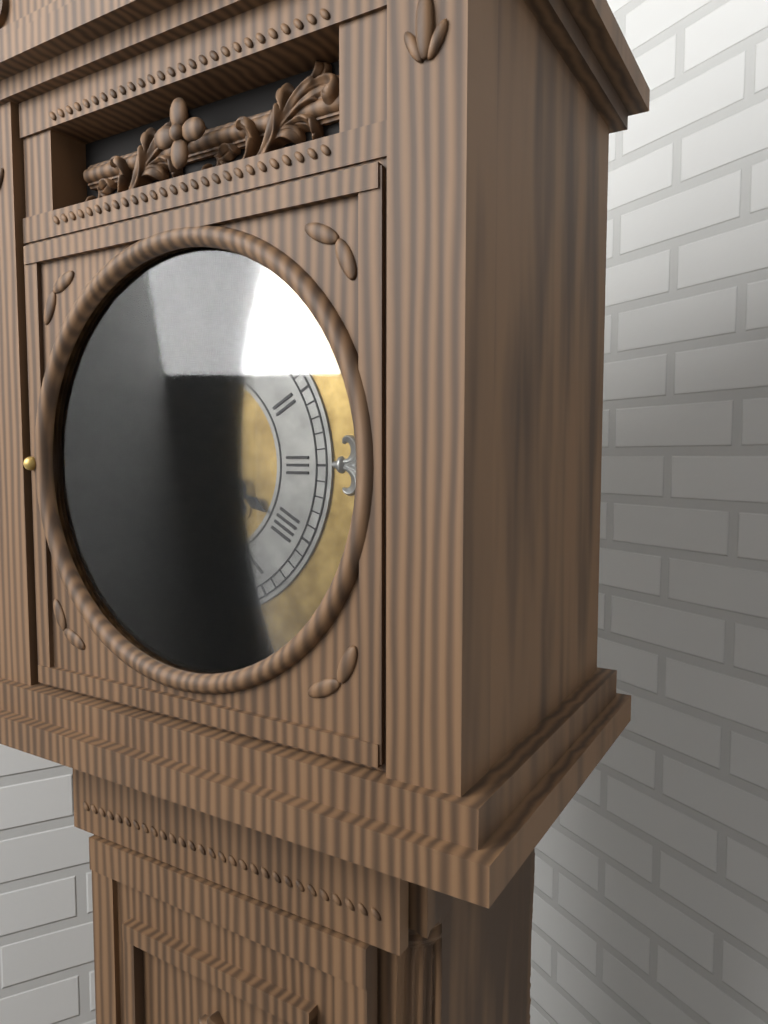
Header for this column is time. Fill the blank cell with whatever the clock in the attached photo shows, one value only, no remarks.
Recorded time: 4:00
